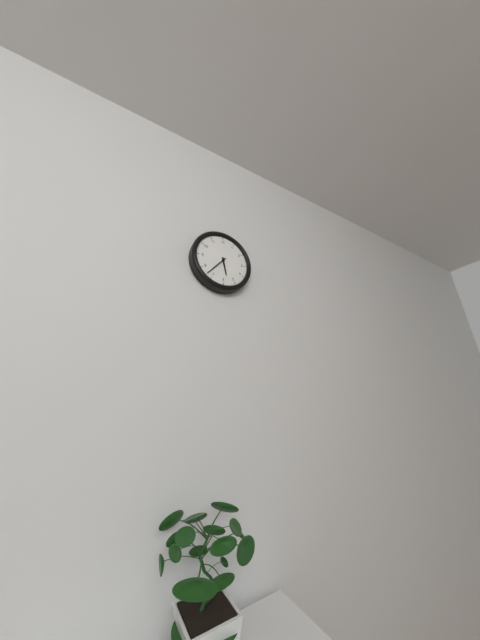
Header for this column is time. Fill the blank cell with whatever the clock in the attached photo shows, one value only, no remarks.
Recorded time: 5:37
